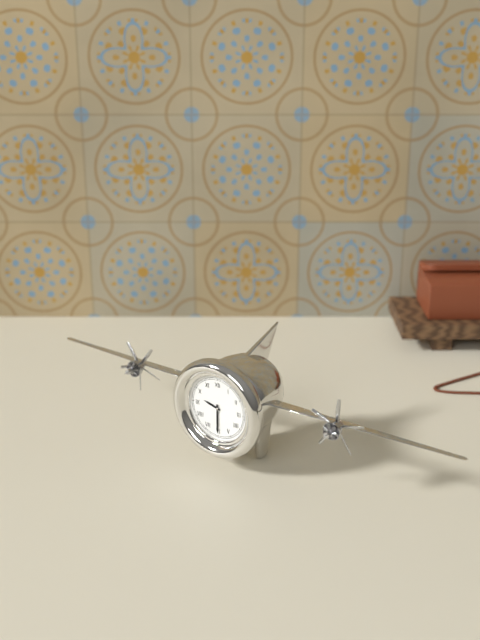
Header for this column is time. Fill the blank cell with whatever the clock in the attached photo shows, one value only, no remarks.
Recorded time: 9:30
